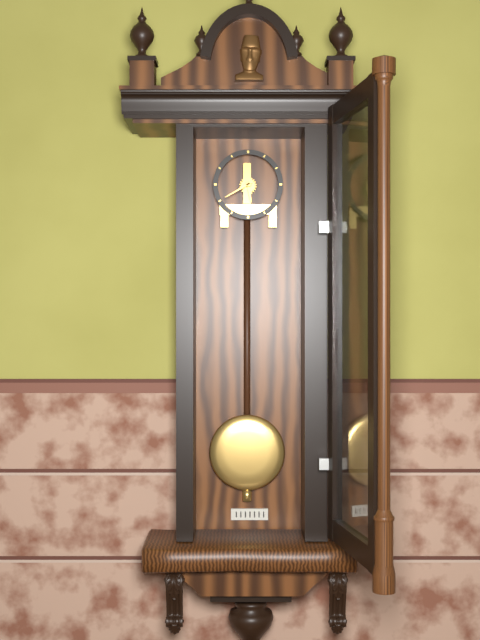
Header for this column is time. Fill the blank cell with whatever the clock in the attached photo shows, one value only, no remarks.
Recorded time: 5:40
